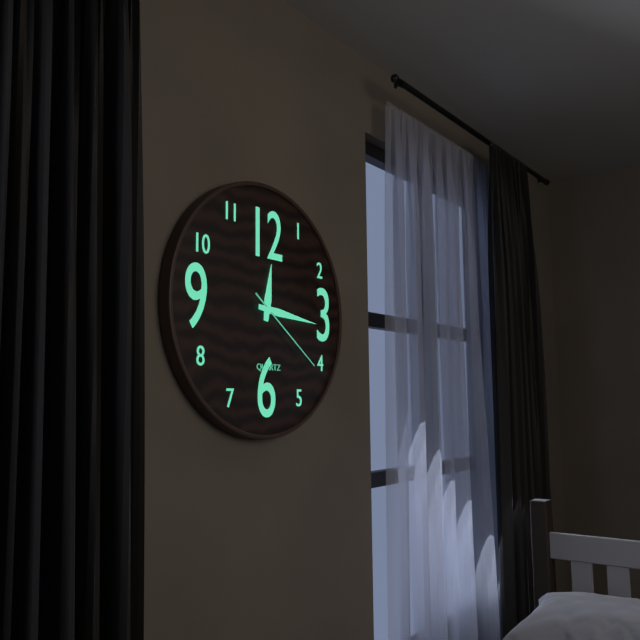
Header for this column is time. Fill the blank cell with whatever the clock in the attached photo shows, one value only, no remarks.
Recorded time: 12:16:21
